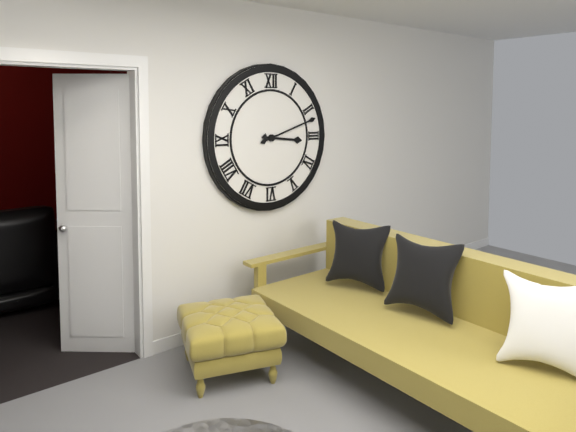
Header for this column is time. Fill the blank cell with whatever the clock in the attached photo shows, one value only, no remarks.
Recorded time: 3:12
